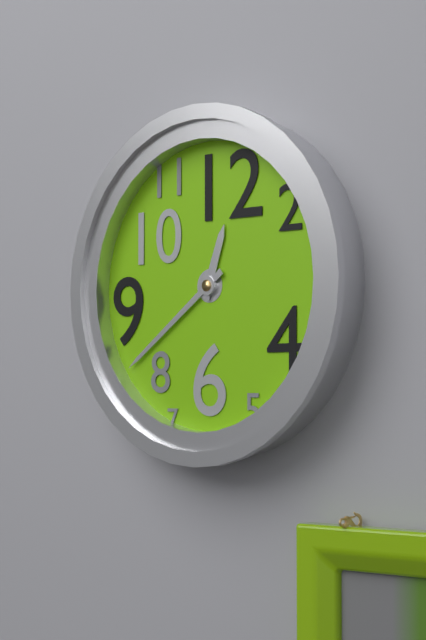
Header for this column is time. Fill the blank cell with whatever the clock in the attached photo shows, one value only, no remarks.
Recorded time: 12:39
